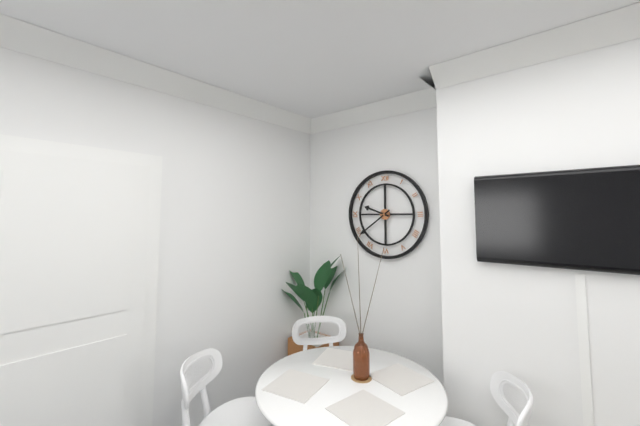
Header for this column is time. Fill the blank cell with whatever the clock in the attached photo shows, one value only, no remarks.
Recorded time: 9:39
